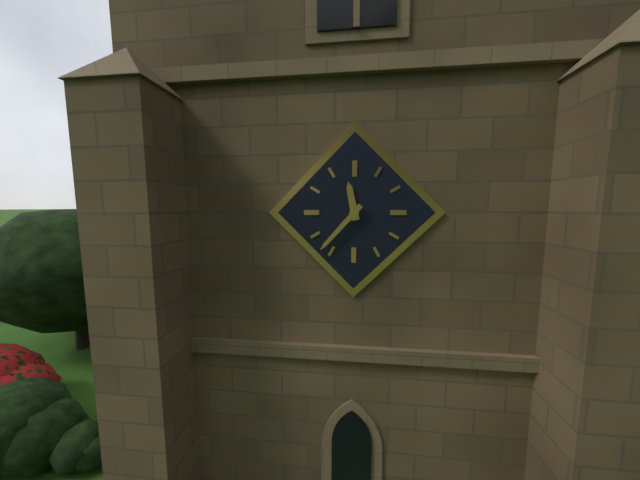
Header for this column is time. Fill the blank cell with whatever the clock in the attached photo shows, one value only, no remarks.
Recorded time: 11:37
